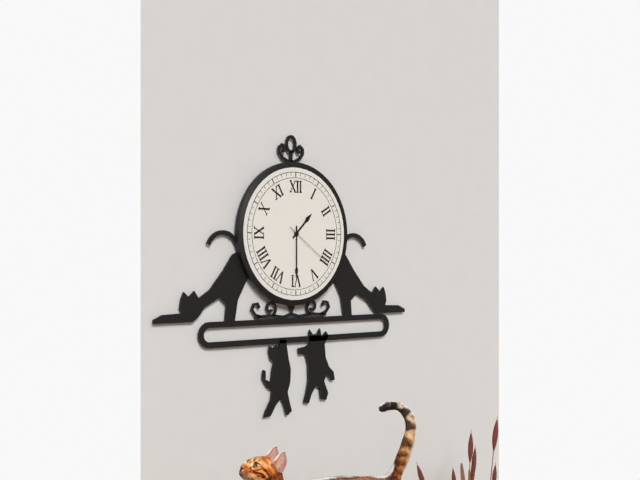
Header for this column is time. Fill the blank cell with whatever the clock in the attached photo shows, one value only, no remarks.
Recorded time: 1:30:21
